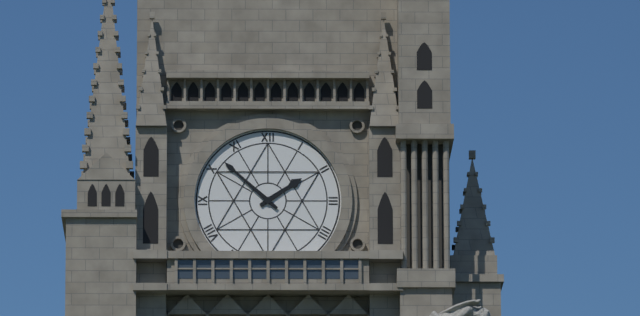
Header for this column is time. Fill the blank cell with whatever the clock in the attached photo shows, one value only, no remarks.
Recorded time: 1:52
